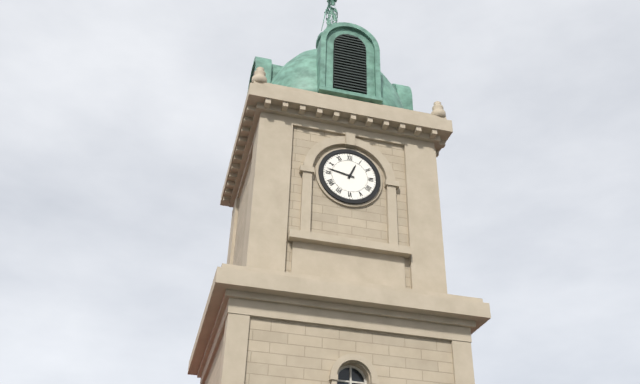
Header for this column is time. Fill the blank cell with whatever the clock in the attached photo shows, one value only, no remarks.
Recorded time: 12:47
